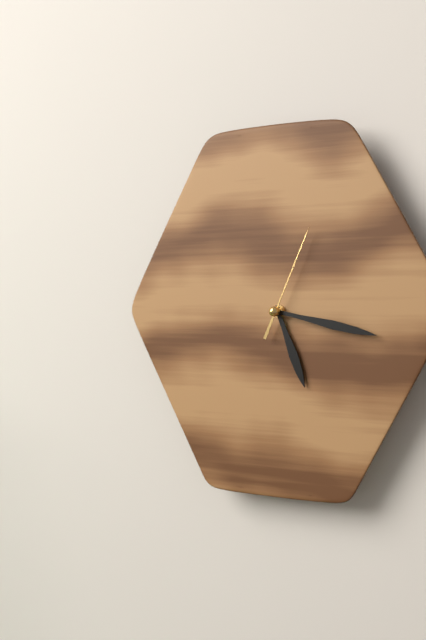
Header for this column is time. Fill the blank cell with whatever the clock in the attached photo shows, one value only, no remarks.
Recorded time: 5:17:04
